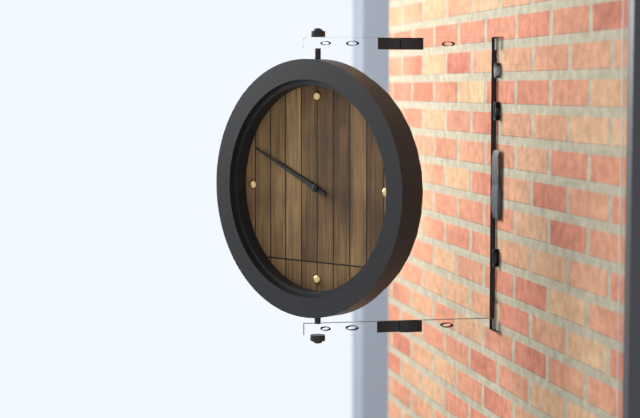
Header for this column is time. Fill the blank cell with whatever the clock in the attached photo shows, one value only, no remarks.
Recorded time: 9:49
